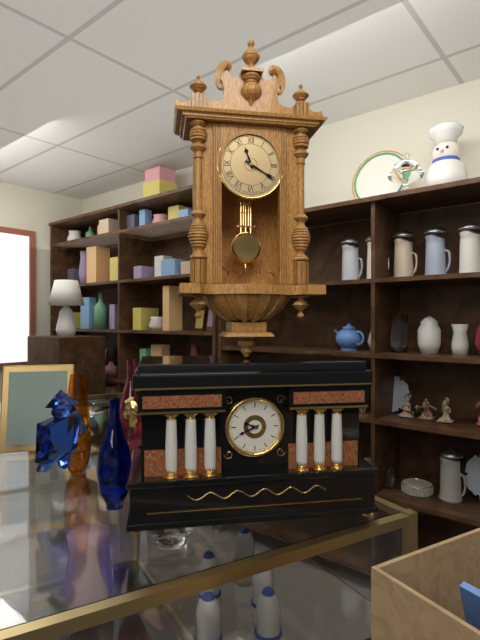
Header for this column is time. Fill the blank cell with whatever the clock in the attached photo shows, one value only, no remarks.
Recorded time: 11:20
